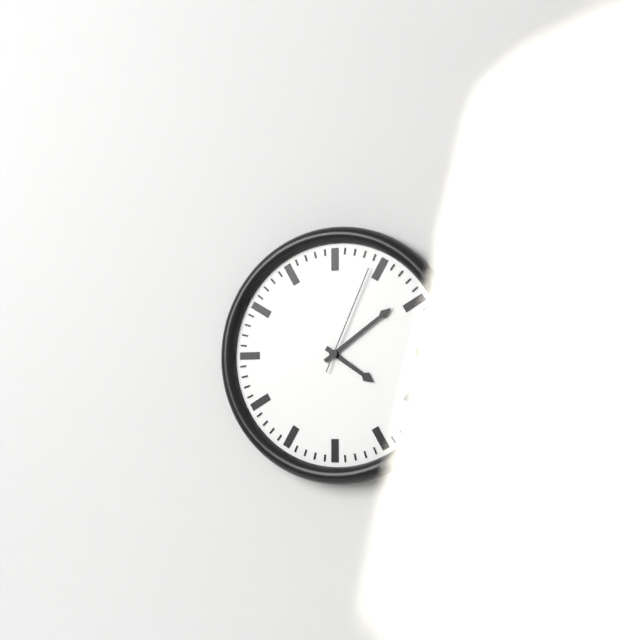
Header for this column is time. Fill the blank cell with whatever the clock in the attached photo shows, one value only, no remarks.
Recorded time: 4:09:04
